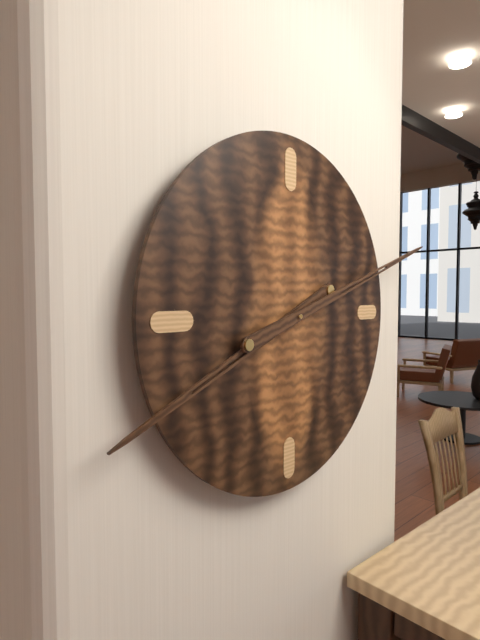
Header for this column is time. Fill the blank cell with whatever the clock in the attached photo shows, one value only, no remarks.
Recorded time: 8:12
